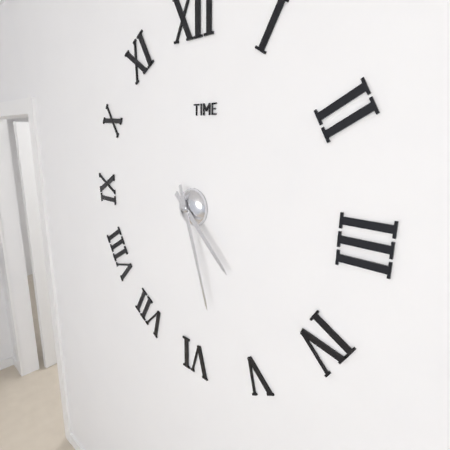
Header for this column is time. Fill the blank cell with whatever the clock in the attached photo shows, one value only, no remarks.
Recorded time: 4:27
